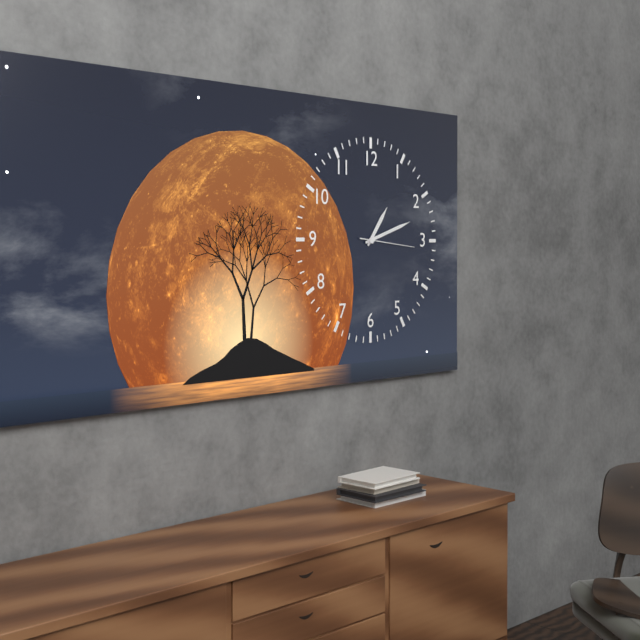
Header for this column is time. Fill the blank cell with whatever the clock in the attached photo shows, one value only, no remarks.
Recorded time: 1:12:16
